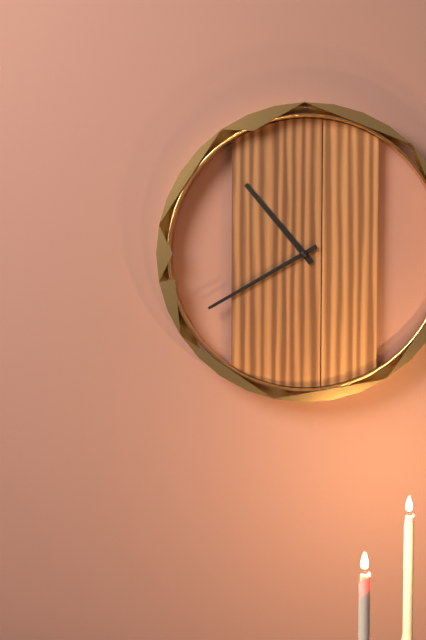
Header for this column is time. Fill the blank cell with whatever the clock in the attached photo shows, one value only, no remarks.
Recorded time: 10:40
